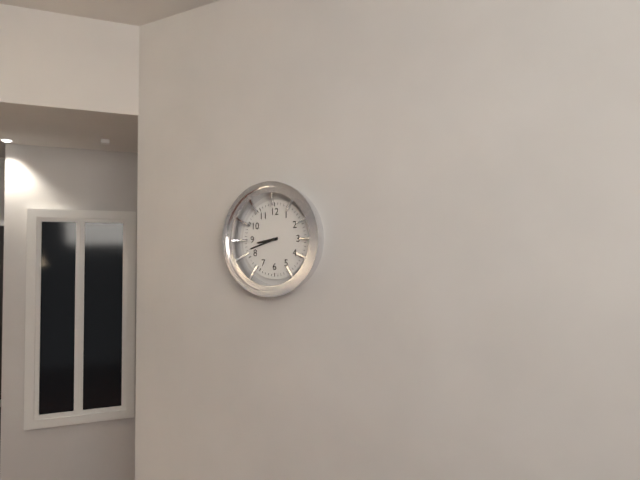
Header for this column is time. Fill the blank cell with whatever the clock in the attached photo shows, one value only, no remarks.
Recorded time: 8:42
